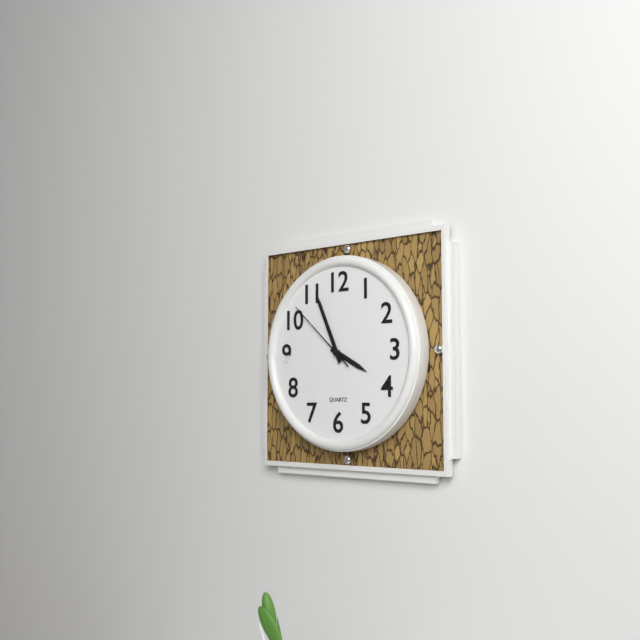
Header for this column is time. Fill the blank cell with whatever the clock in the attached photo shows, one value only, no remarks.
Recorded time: 3:56:52
